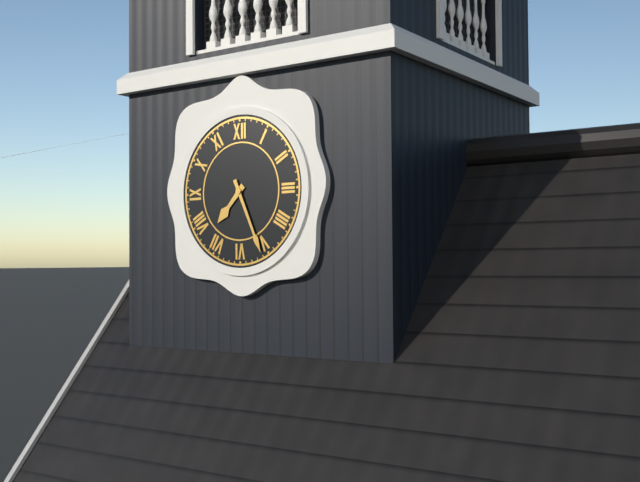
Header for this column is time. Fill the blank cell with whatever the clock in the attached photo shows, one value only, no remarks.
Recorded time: 7:26
